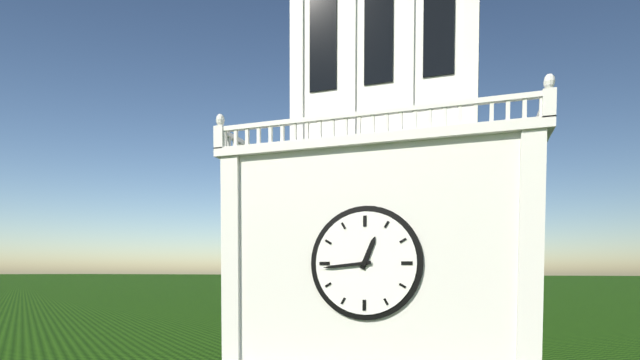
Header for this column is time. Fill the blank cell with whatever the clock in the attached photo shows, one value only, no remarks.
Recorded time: 12:44
